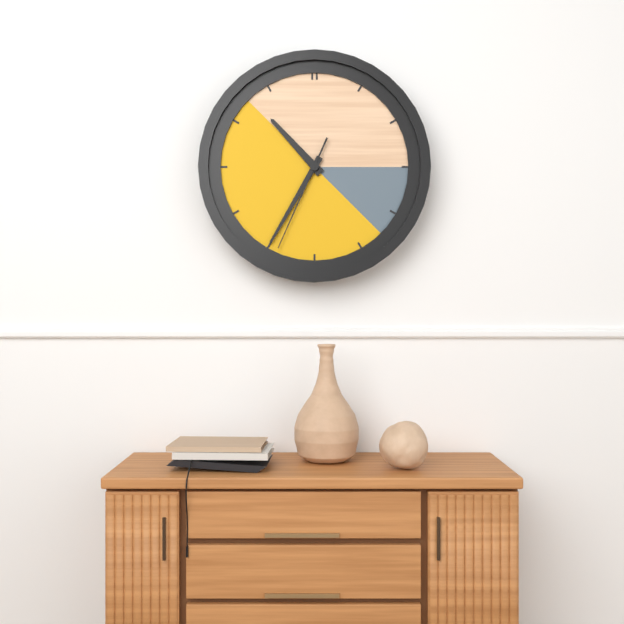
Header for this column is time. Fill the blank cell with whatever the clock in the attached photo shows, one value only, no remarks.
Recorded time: 10:35:34
